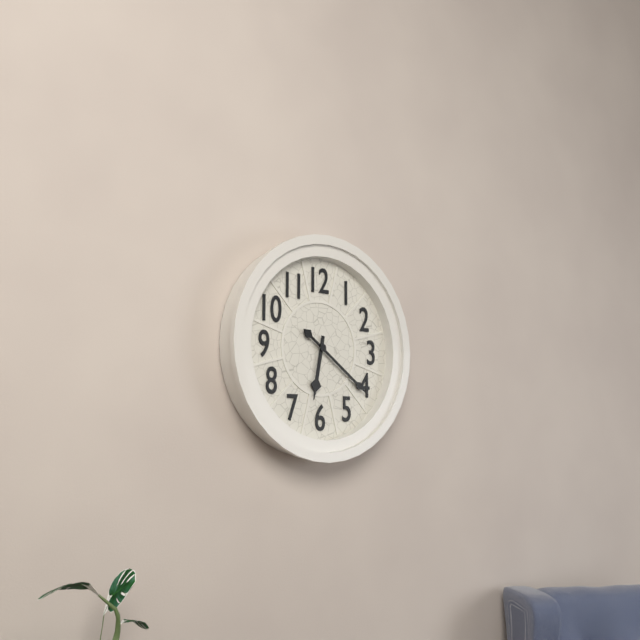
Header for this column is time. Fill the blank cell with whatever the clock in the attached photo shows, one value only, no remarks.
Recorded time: 6:21
